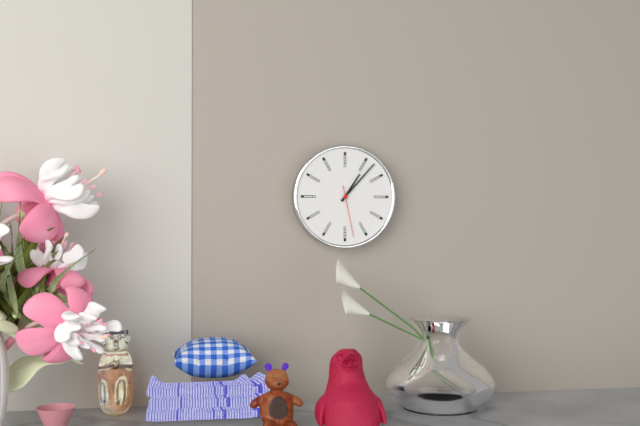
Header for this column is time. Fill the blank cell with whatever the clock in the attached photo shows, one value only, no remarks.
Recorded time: 1:07:28
